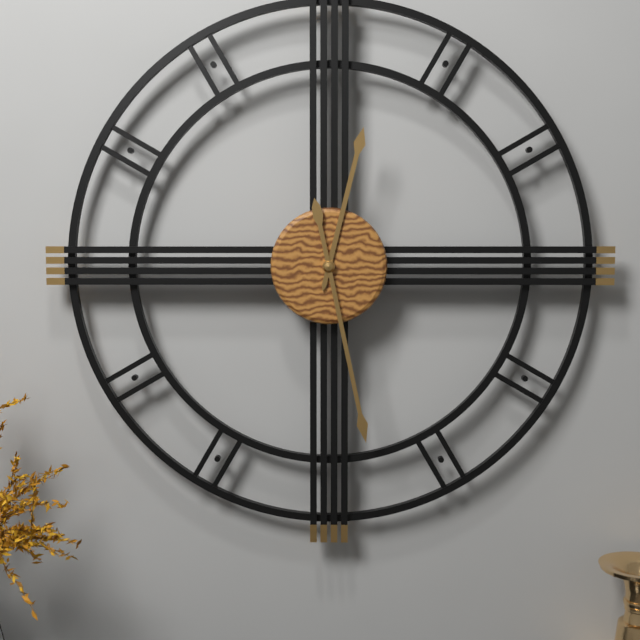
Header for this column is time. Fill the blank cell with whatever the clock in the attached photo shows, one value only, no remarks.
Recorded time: 12:28
